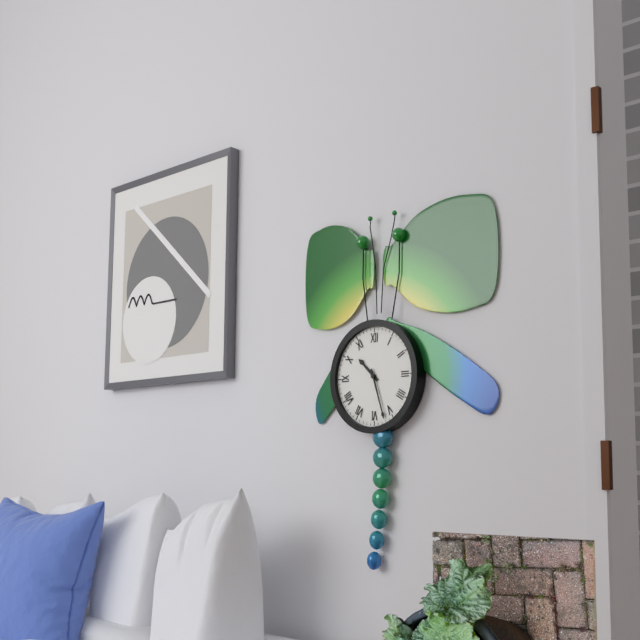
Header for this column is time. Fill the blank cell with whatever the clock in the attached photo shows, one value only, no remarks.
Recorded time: 10:27
